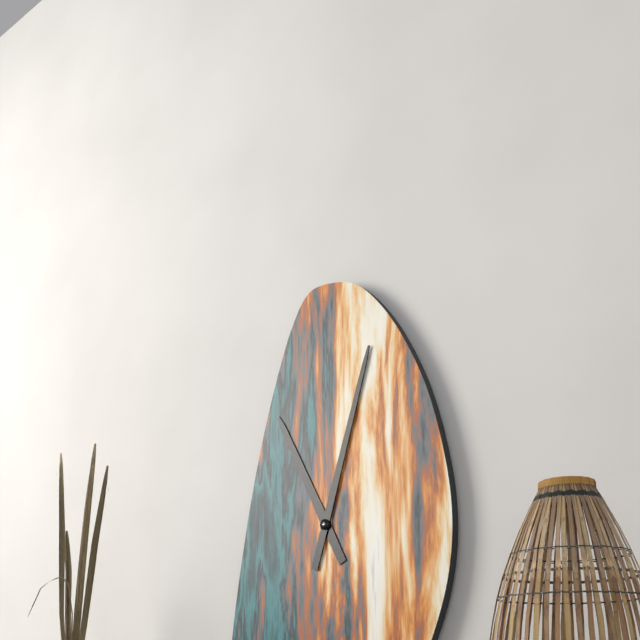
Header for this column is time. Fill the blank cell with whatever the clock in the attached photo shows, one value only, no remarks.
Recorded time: 11:03
